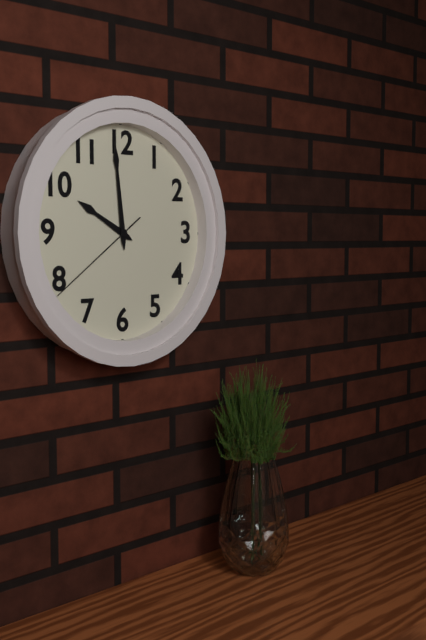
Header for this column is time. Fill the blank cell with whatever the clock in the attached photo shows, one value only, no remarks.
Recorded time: 9:59:39
